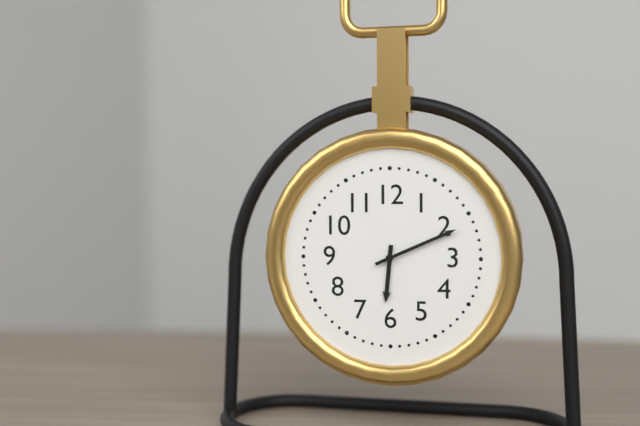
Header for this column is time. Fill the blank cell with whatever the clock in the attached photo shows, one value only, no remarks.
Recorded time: 6:11
